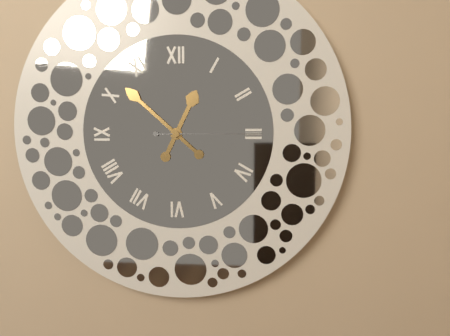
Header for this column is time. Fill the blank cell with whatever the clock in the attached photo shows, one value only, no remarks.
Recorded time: 12:52:15
